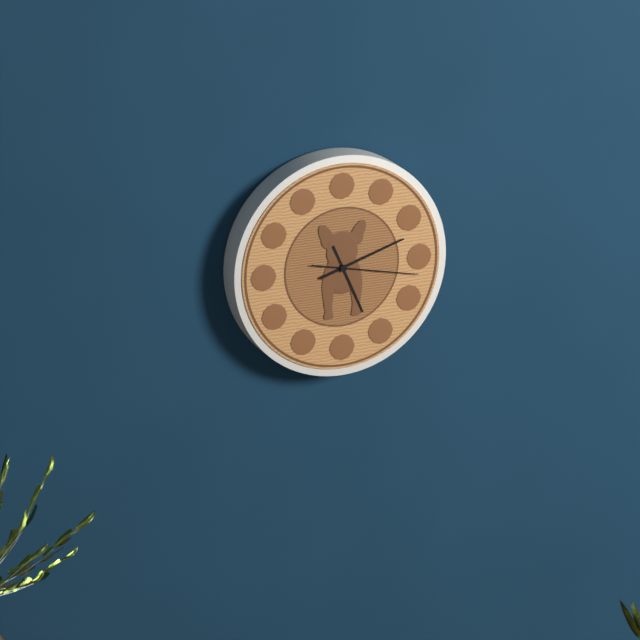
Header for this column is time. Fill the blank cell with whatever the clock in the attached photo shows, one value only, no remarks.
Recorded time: 5:12:17
